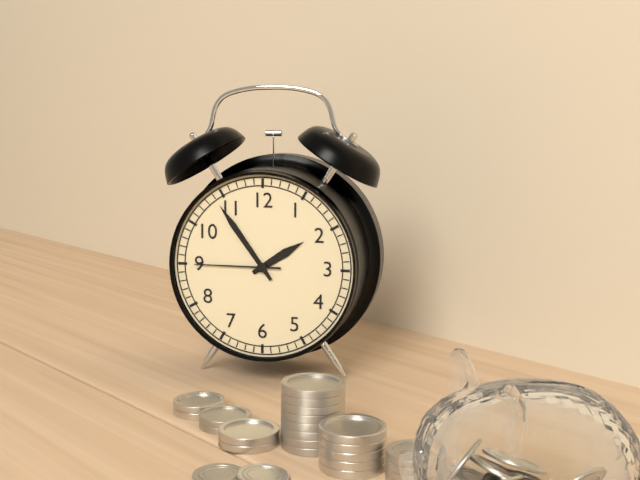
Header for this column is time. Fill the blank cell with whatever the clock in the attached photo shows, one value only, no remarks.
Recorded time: 1:54:45
